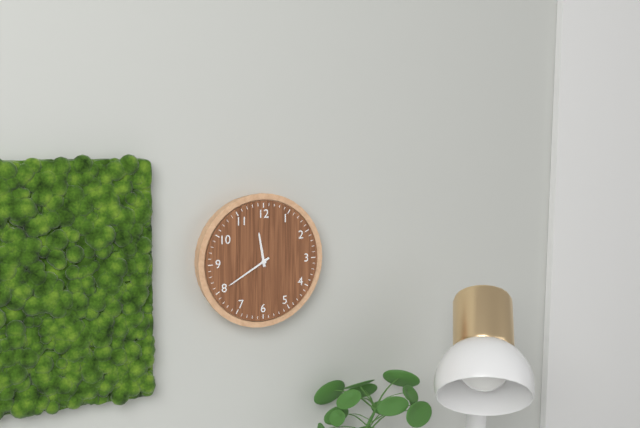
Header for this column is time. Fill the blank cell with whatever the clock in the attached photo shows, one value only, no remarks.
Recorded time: 11:40
